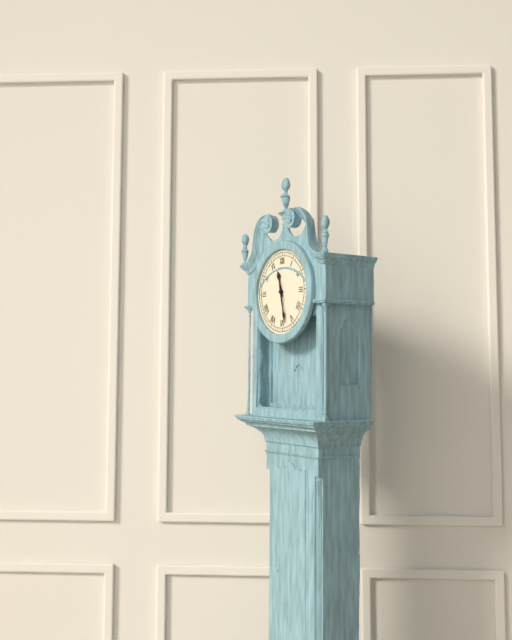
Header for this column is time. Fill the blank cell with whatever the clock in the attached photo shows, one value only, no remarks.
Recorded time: 11:28
